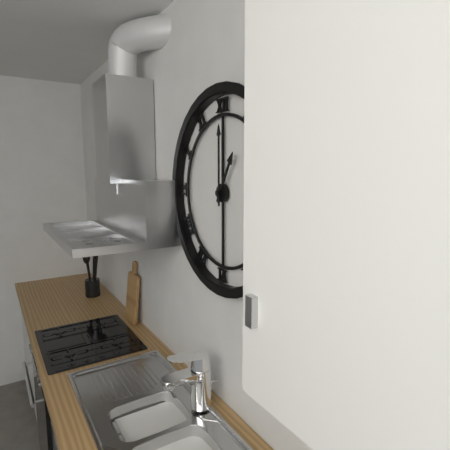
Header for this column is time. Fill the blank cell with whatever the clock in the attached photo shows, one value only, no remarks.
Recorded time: 1:00
